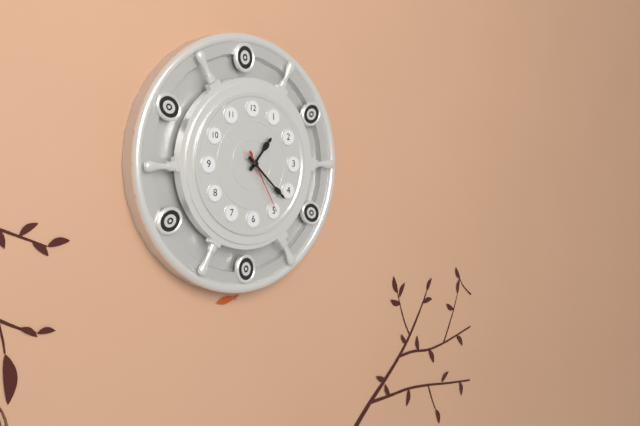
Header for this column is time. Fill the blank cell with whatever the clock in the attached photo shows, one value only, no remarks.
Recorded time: 1:22:25
